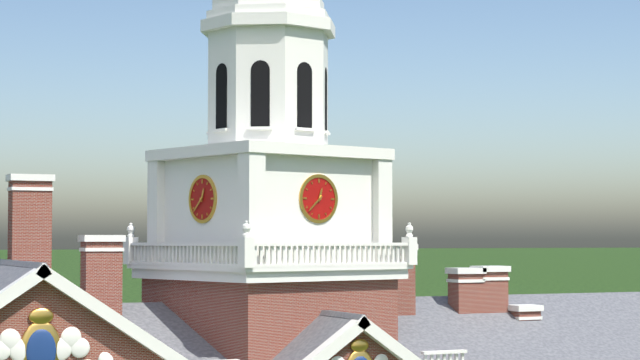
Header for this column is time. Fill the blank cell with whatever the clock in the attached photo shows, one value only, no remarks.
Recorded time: 12:38
